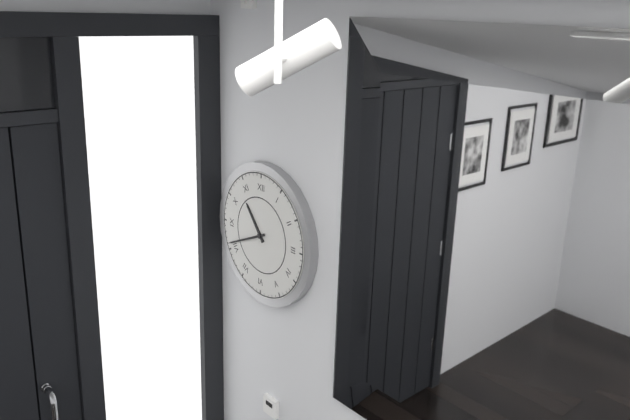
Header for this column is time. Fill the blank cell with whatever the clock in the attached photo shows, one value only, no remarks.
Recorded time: 10:41
